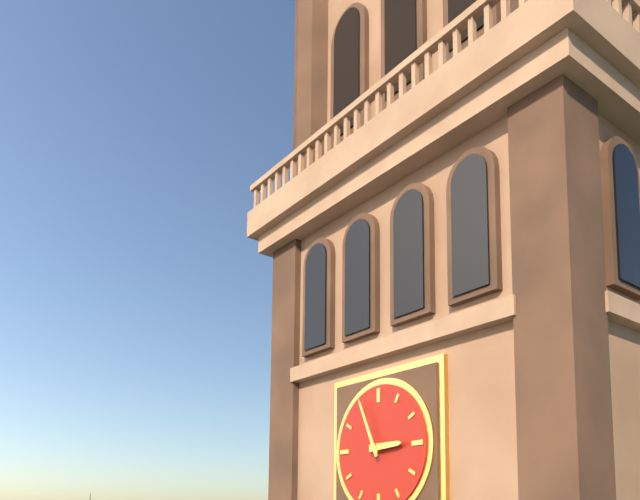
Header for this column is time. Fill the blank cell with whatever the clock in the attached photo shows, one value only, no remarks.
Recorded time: 2:56
